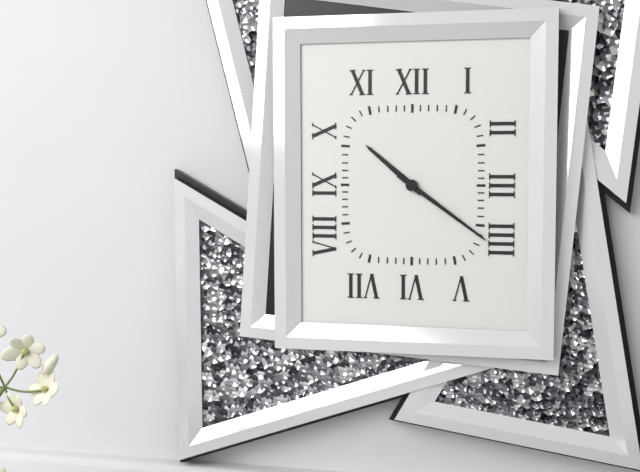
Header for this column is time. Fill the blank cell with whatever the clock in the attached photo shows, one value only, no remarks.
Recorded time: 10:21
